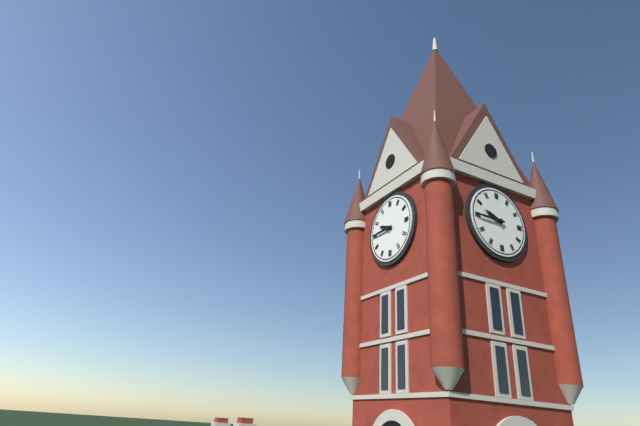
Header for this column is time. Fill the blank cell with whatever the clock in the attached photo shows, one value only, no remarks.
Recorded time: 9:45
